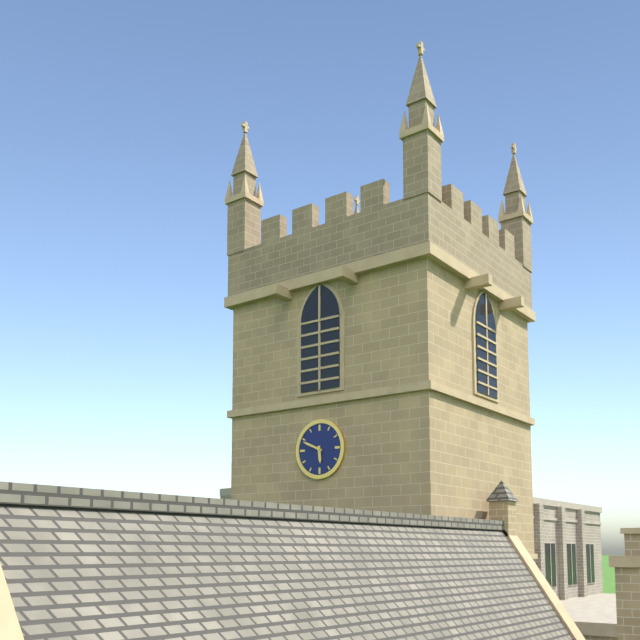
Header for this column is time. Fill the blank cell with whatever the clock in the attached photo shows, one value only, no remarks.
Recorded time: 5:49
